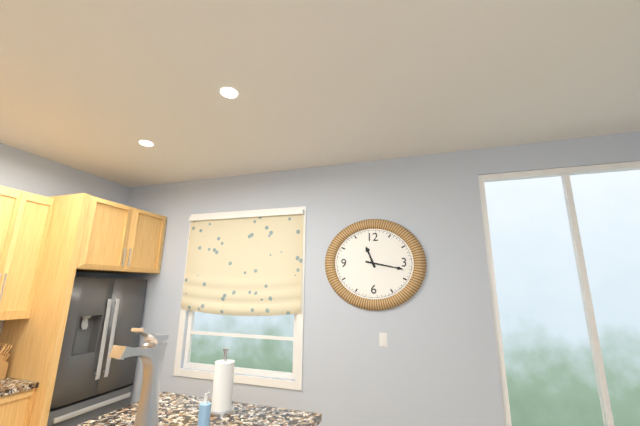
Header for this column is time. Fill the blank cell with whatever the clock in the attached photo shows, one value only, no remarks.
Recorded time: 11:17
